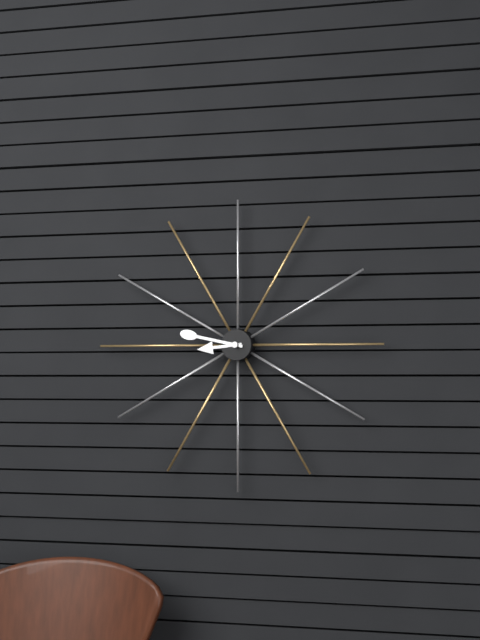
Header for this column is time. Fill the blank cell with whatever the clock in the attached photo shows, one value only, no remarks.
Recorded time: 8:47
